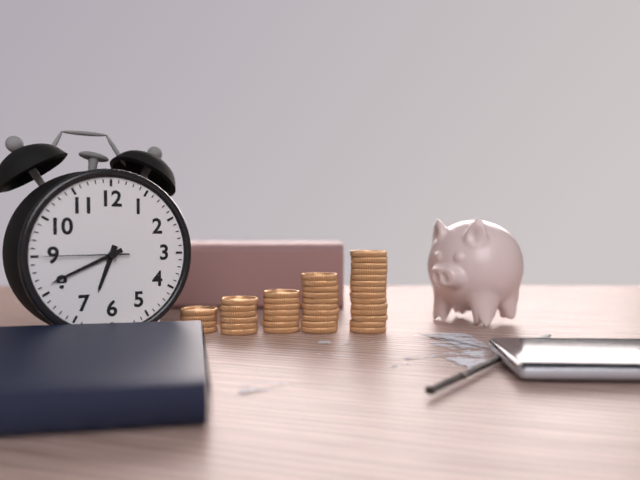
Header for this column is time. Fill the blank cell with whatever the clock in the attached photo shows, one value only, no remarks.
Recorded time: 6:41:45
